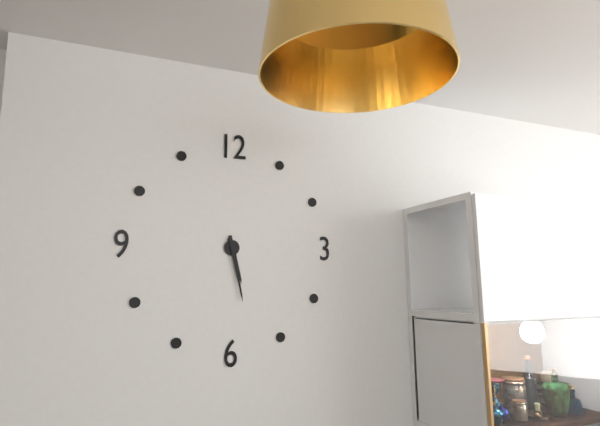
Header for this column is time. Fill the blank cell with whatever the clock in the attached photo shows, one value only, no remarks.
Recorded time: 5:28
